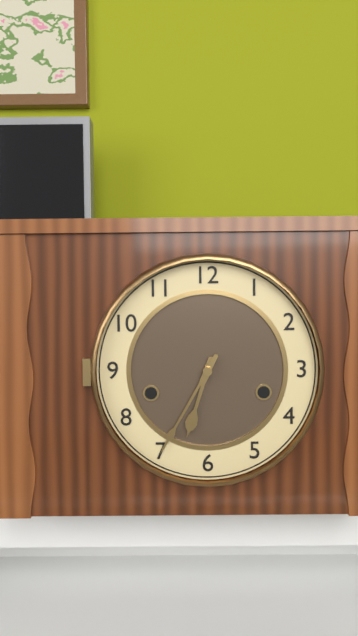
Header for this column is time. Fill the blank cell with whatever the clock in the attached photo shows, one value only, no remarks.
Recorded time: 6:35
